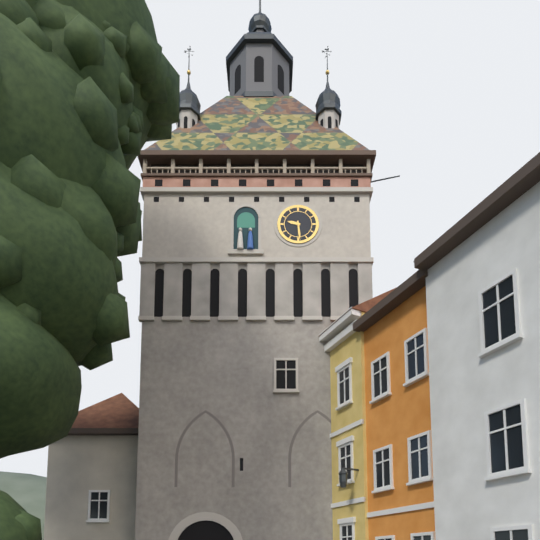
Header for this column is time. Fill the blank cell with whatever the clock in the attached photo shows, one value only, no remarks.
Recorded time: 9:29
